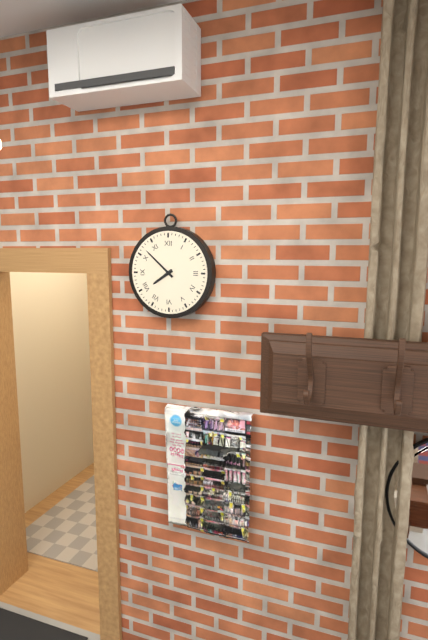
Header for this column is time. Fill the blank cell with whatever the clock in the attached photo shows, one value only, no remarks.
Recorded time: 7:52
